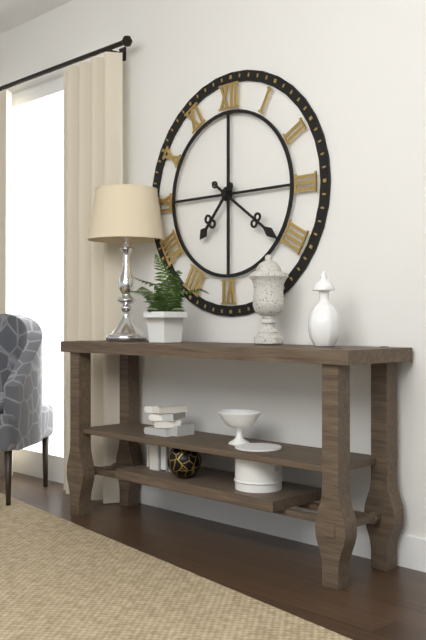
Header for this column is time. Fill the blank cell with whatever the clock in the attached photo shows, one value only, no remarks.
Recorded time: 7:21
